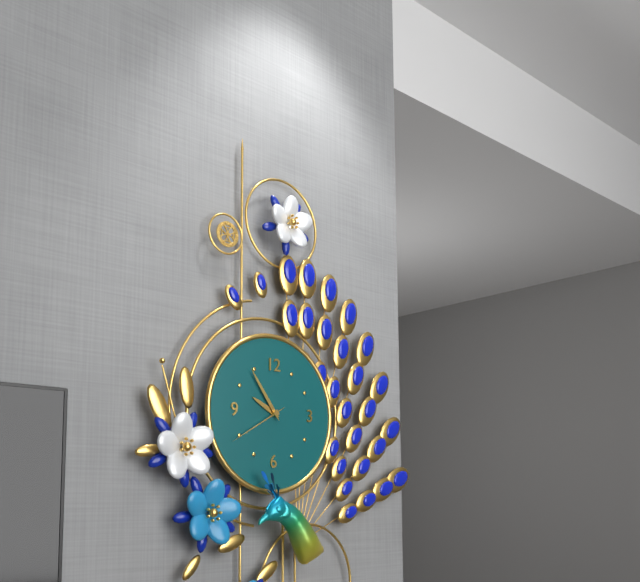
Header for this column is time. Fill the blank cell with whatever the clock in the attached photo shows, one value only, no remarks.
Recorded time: 9:54:40
